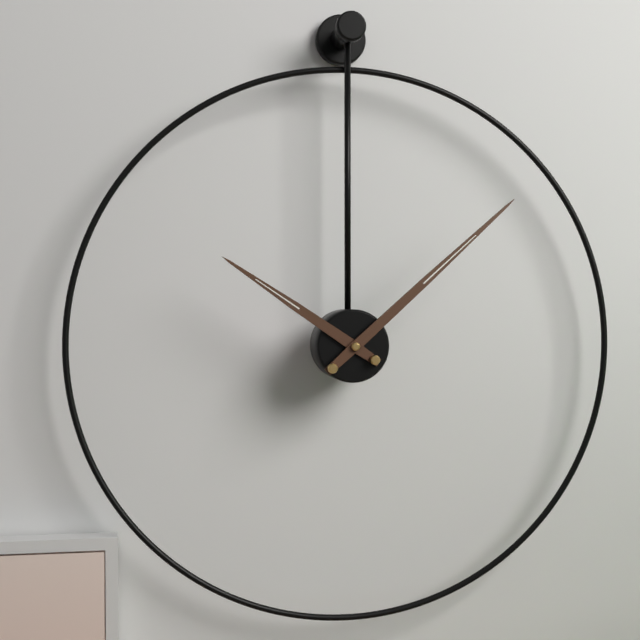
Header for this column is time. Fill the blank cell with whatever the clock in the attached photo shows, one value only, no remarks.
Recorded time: 10:08
